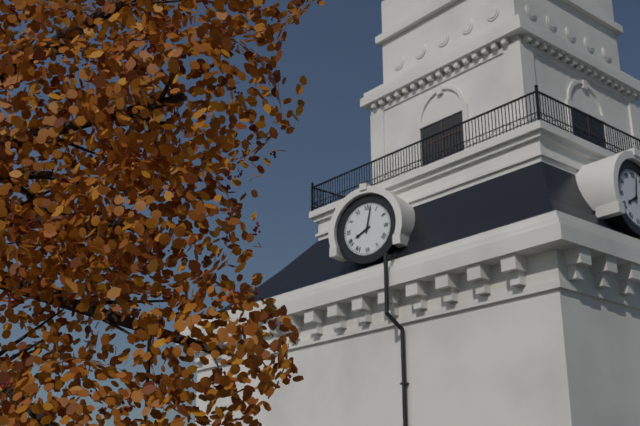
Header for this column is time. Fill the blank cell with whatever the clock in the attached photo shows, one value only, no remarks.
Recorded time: 8:02
